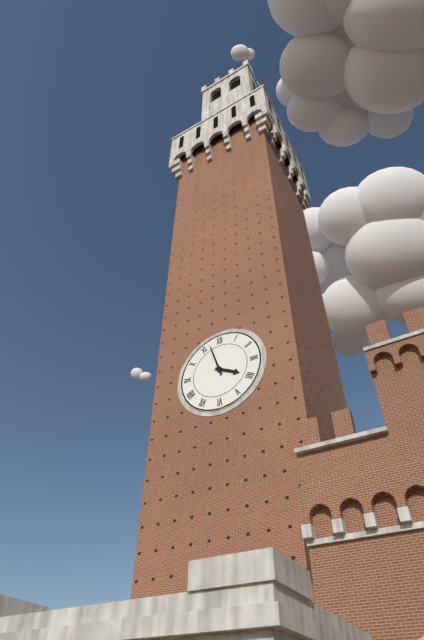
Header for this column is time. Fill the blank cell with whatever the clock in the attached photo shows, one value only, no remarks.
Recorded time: 3:57
